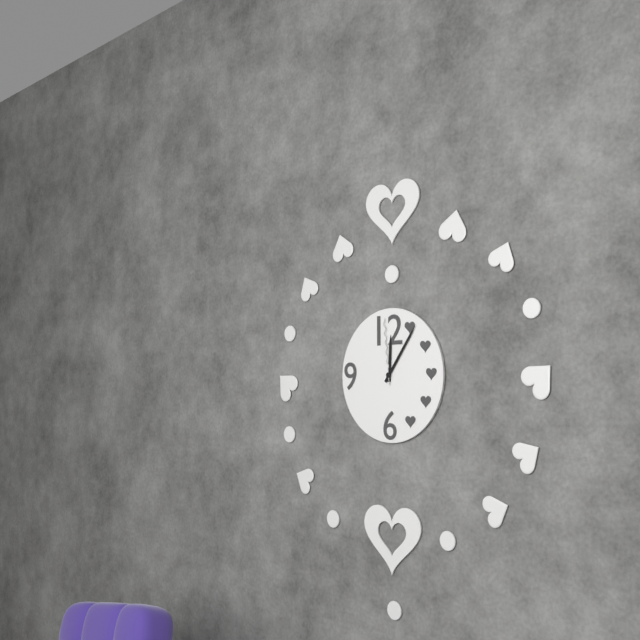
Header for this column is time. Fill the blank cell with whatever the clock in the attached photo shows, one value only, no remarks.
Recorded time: 12:06:59
